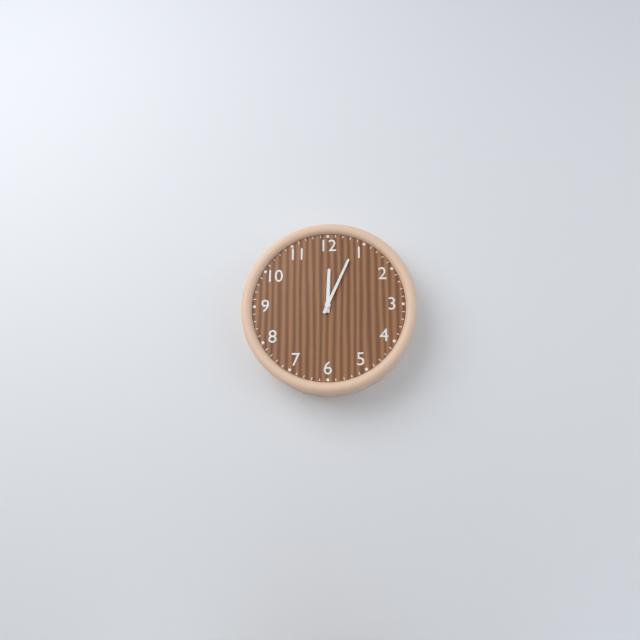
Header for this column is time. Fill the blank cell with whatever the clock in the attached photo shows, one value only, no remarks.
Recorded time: 12:04
